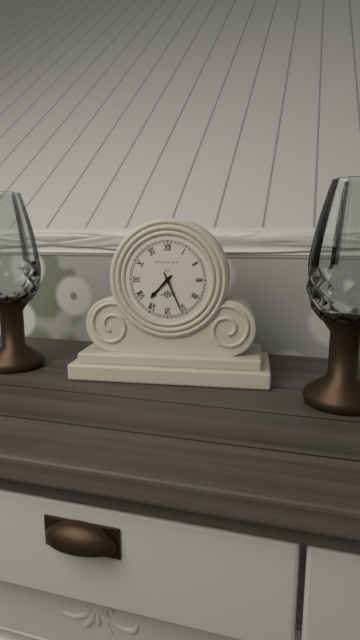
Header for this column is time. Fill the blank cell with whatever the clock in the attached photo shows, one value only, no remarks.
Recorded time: 7:26
